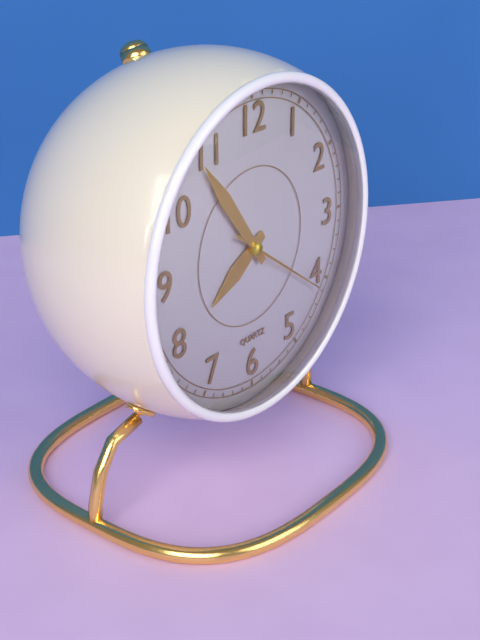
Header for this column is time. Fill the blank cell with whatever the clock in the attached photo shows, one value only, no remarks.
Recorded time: 7:54:21
